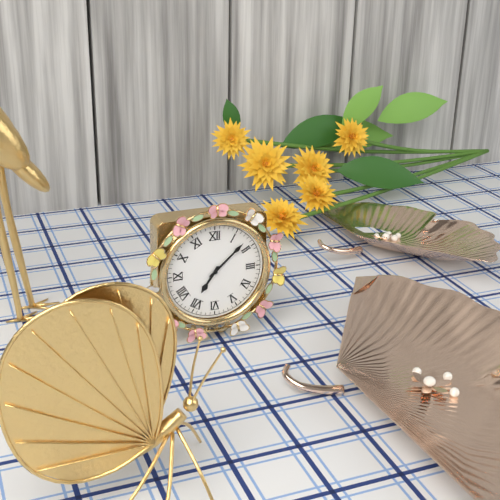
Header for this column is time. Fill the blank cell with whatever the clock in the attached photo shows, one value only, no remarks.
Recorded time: 7:08
